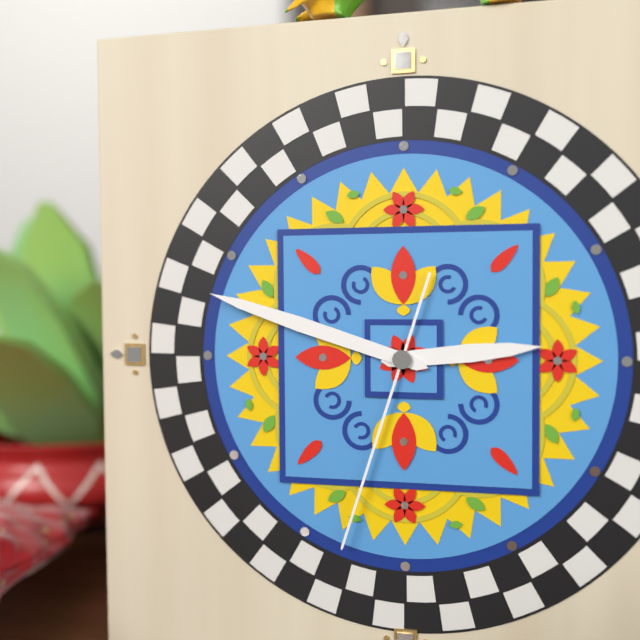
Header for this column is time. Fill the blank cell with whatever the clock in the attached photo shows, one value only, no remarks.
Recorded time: 2:48:33
